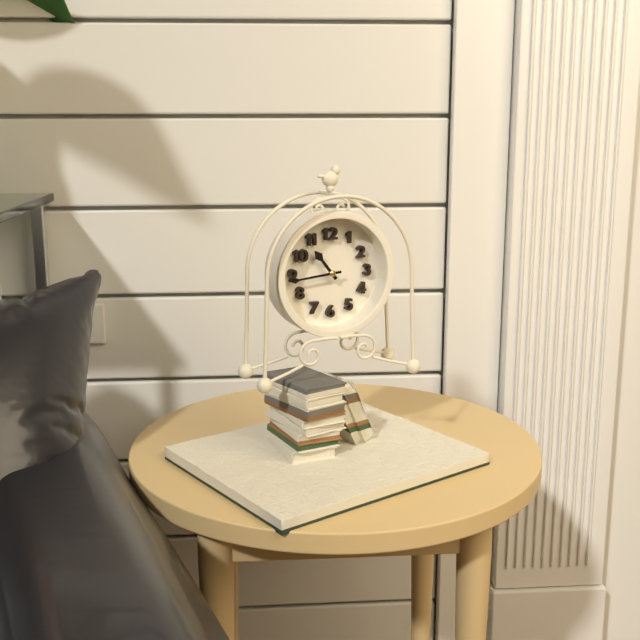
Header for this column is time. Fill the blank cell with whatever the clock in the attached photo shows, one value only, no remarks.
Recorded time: 10:44
